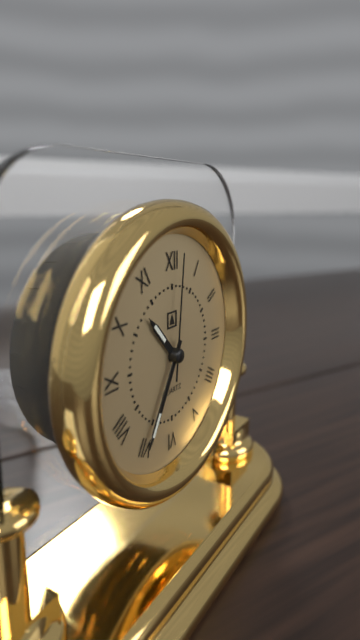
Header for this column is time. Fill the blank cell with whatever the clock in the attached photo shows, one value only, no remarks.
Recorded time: 10:35:01
